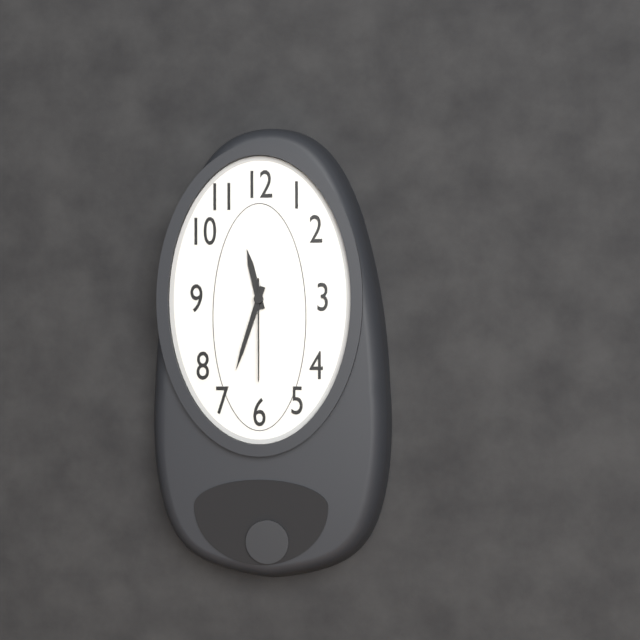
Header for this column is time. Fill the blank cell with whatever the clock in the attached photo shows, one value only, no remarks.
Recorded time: 11:33:30
